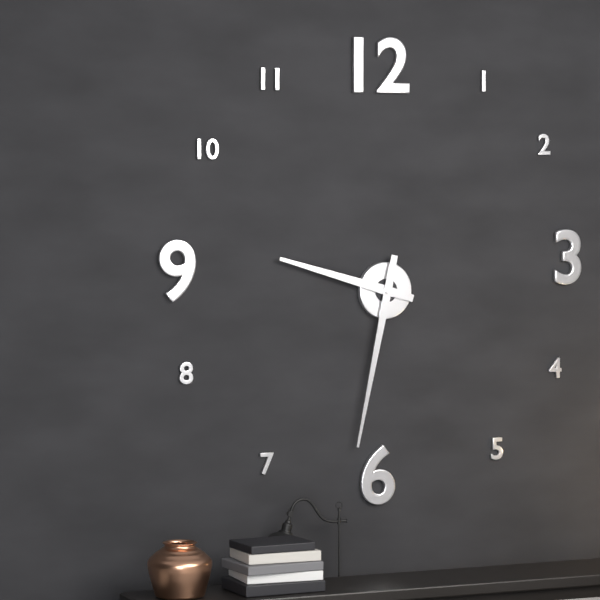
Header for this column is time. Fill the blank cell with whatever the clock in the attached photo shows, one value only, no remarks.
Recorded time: 9:32
